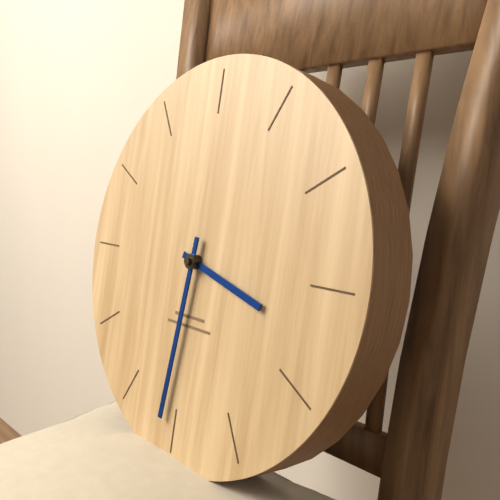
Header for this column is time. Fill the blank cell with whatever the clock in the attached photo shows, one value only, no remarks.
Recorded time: 3:31
